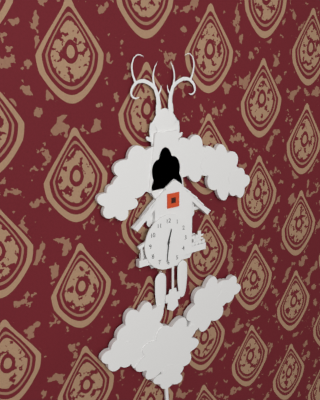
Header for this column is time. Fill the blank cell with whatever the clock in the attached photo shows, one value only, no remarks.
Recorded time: 12:31
